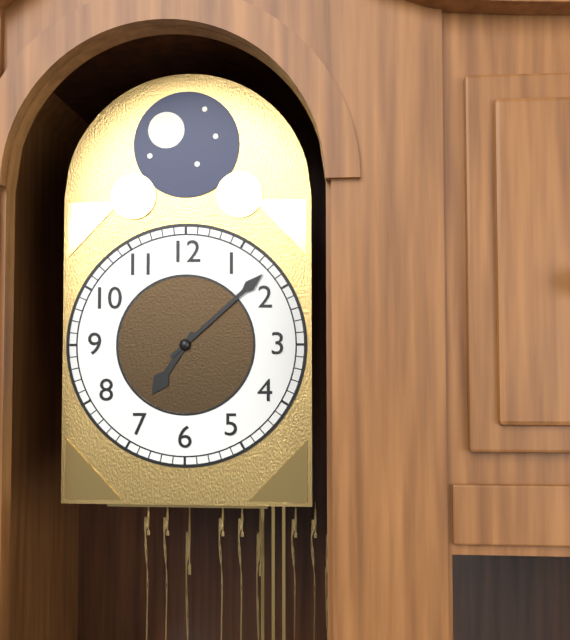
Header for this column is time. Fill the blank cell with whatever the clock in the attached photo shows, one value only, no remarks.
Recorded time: 7:08
